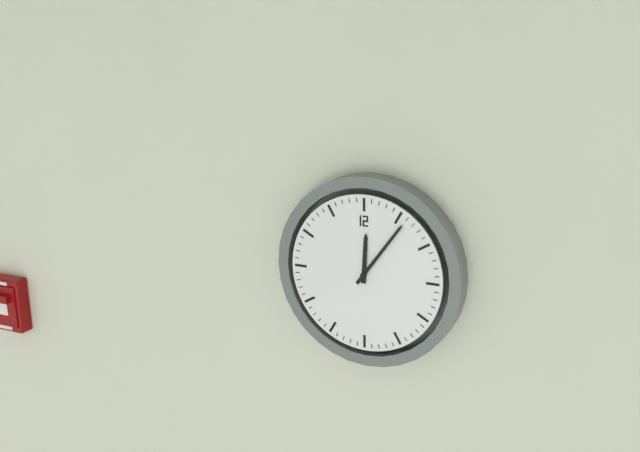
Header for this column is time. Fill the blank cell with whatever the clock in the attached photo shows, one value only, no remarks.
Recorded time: 12:06
